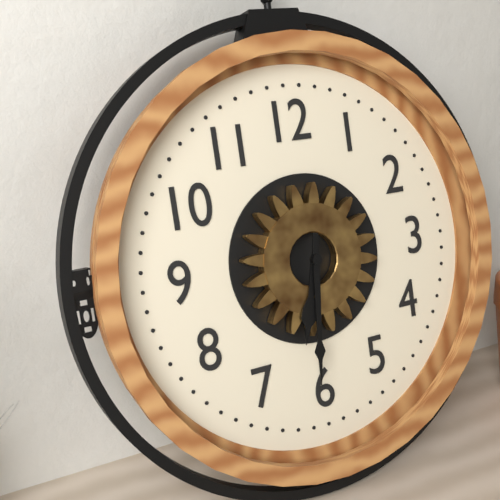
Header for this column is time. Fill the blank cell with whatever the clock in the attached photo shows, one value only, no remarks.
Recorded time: 6:31
